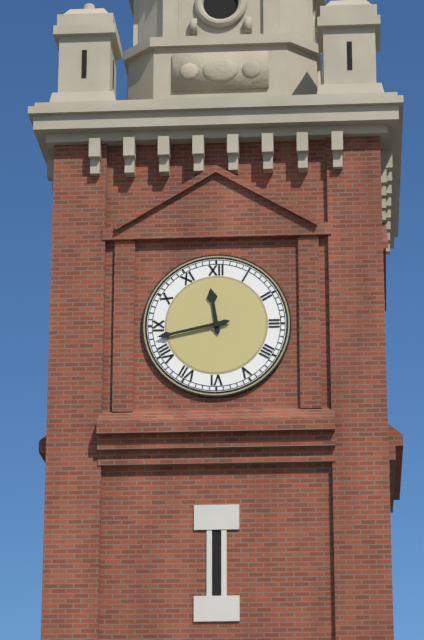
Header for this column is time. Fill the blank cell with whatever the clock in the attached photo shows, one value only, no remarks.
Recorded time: 11:43
